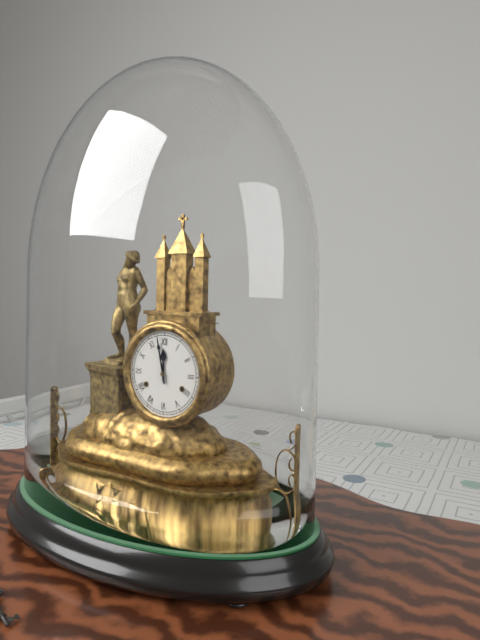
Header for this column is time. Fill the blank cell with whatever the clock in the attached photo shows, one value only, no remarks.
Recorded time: 11:58
